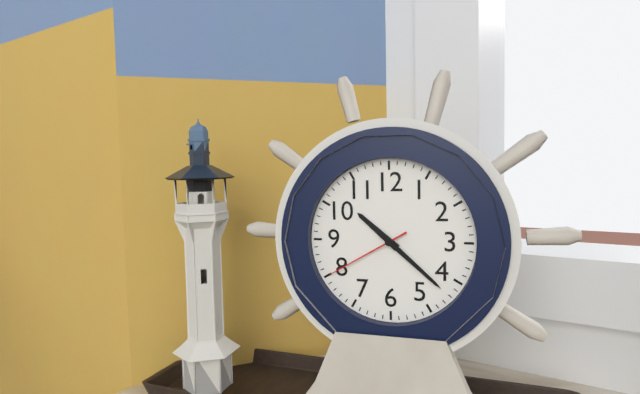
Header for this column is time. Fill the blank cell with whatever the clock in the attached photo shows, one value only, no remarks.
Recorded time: 10:22:40
